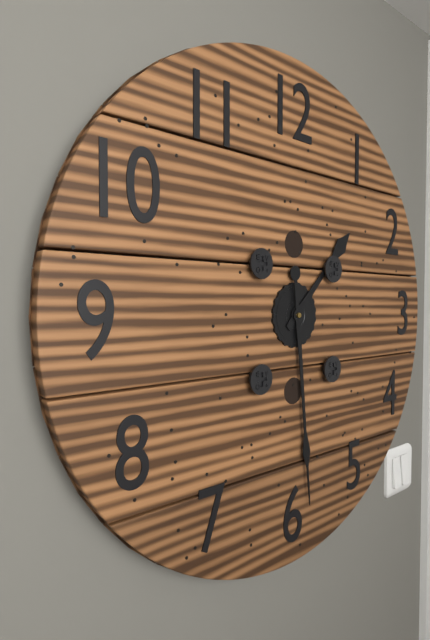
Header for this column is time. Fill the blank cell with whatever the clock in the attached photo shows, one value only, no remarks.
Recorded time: 1:29
